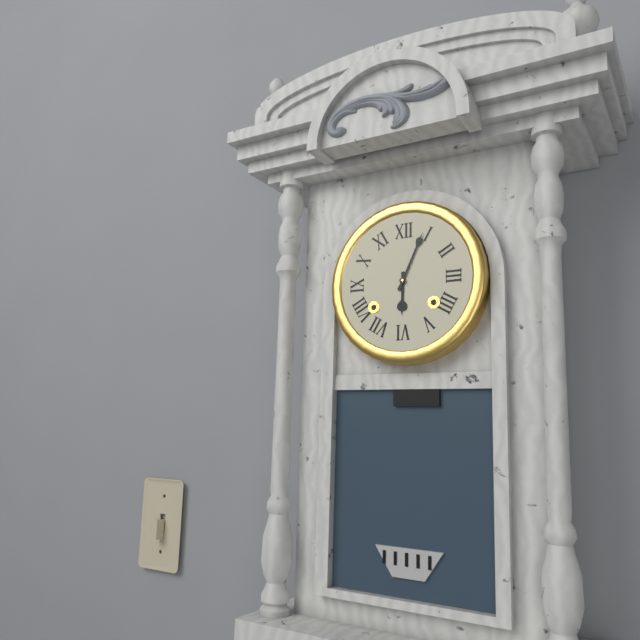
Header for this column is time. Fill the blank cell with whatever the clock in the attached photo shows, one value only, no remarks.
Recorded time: 6:04
